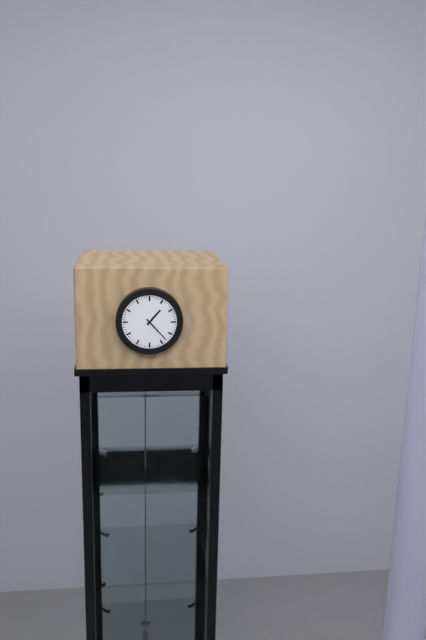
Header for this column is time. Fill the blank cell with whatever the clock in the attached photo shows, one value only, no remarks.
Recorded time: 1:23
